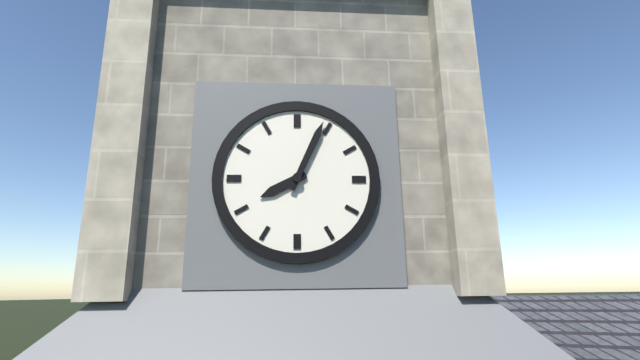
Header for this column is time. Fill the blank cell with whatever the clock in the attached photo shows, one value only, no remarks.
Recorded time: 8:04
